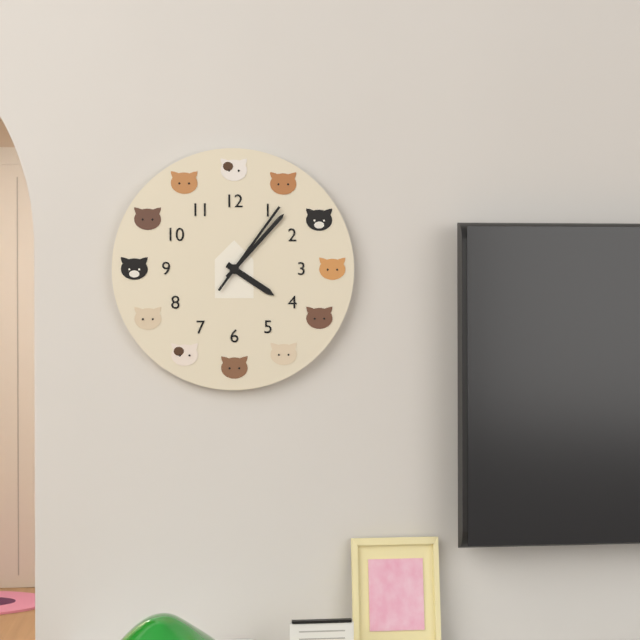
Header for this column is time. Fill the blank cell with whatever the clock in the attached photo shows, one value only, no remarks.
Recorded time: 4:07:06
